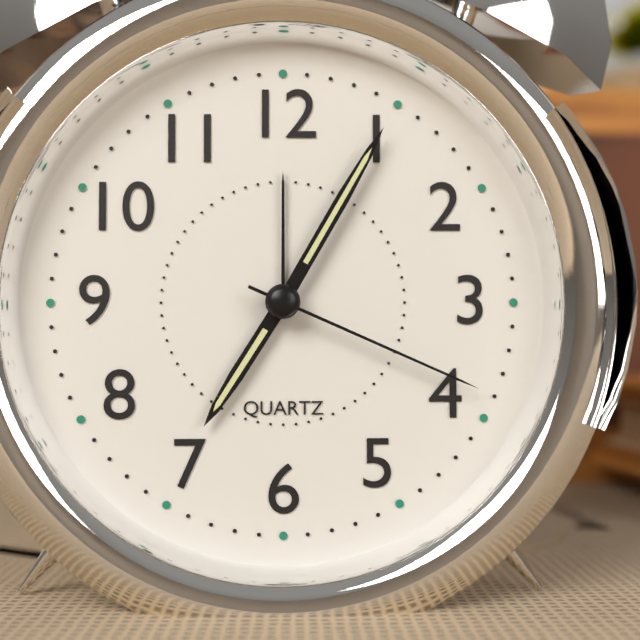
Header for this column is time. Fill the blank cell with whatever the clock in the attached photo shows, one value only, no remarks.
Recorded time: 7:05:19
